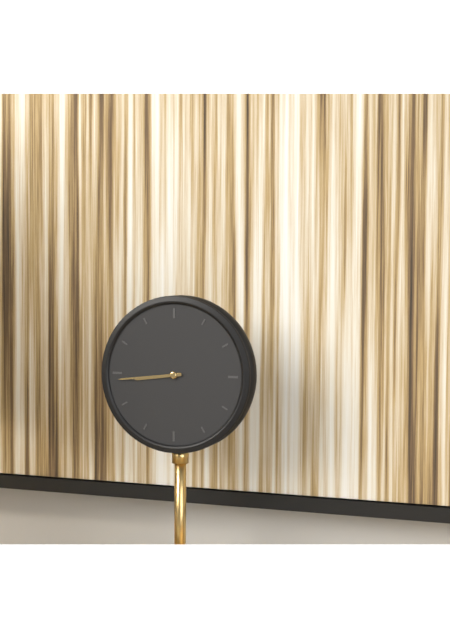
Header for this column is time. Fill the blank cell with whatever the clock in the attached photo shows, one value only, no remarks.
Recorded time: 8:44
